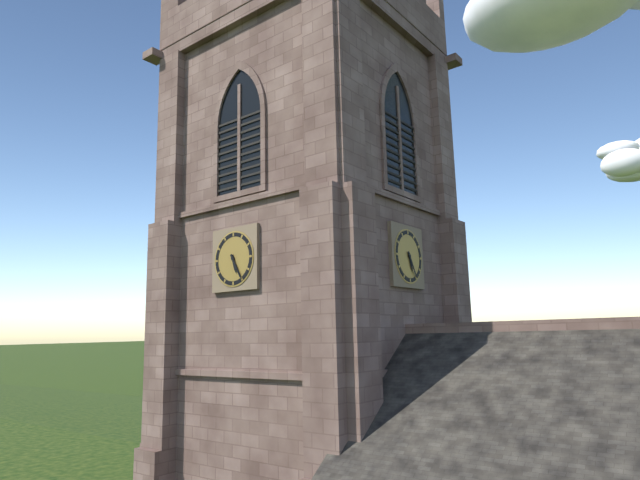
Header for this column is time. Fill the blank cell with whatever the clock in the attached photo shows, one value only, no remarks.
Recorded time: 5:25
